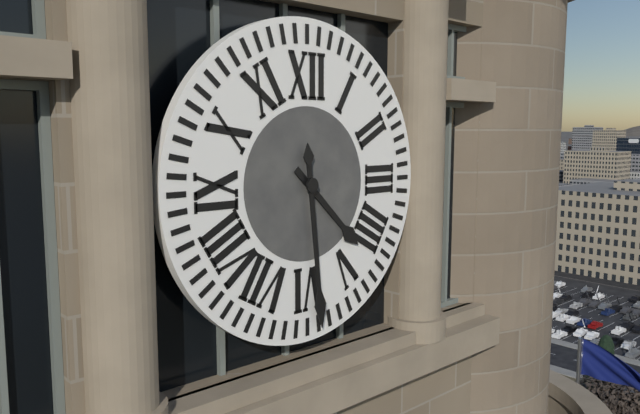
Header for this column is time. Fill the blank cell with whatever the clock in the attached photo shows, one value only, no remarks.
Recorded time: 4:29
